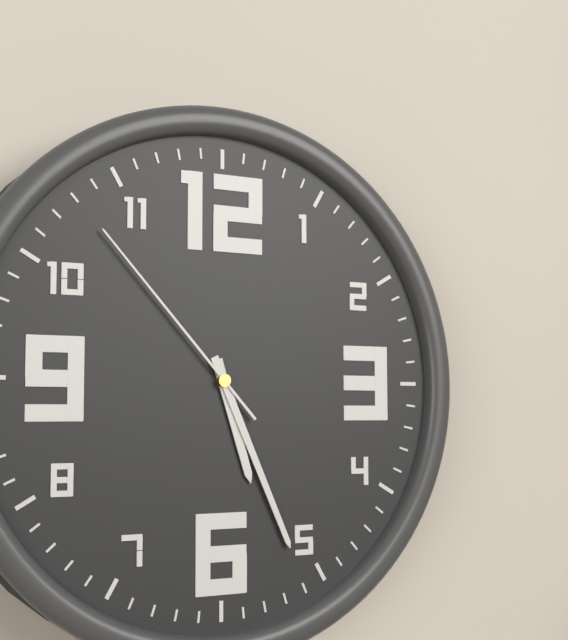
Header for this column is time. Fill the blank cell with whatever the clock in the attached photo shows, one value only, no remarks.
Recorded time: 5:26:53
